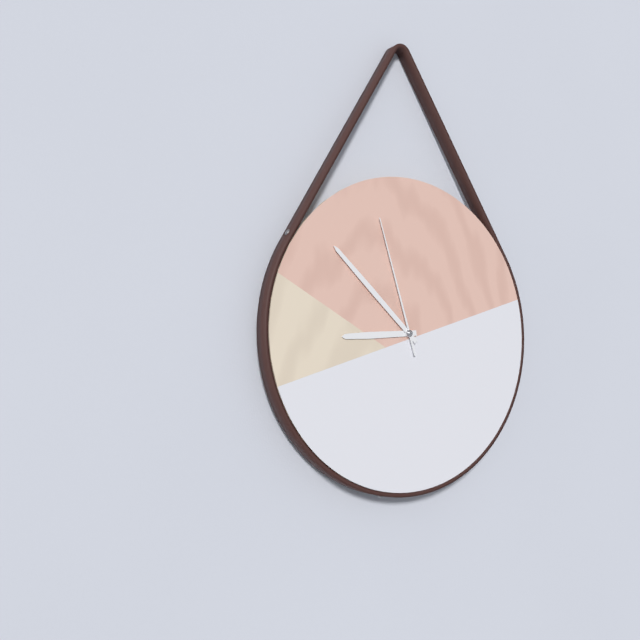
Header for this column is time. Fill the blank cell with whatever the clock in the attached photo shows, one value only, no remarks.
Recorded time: 8:52:57
